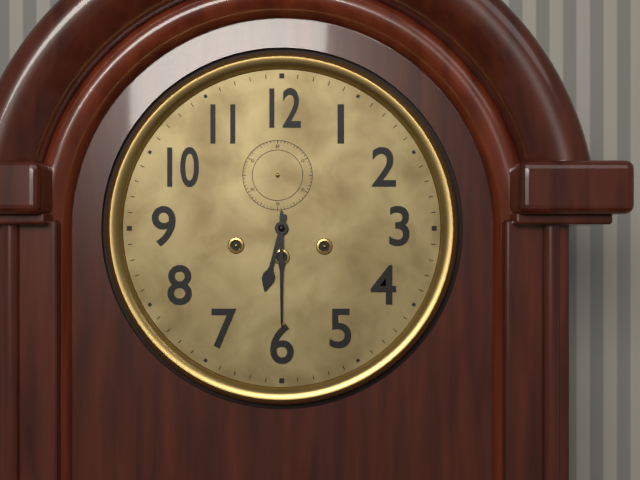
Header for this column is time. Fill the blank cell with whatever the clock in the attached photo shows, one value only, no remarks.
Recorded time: 6:30
